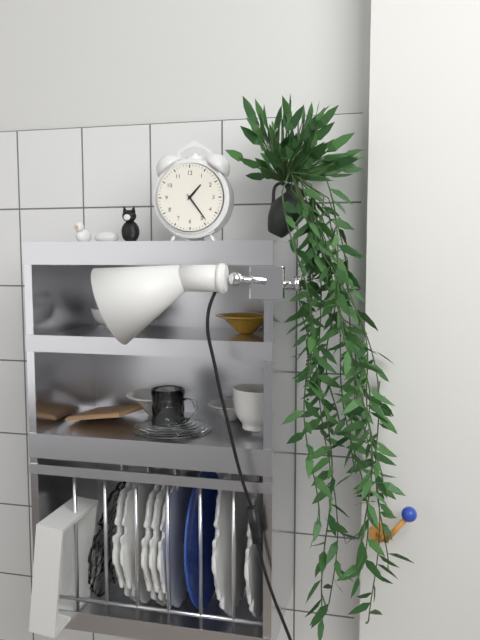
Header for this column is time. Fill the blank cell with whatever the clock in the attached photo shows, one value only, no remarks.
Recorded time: 1:24
